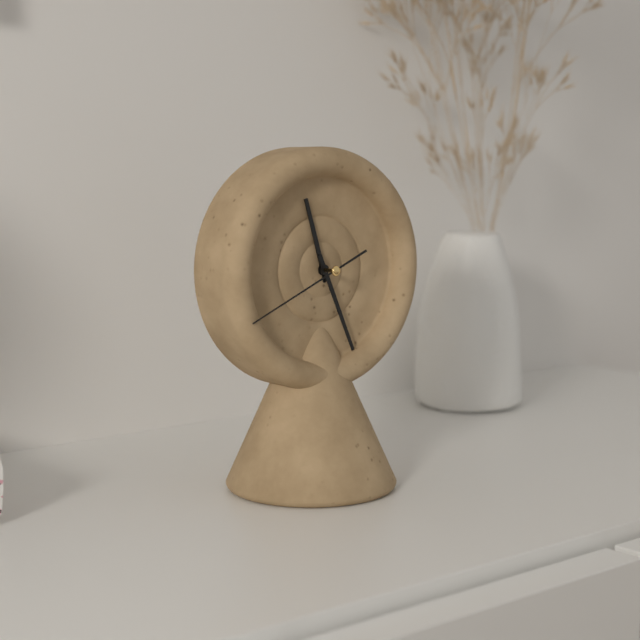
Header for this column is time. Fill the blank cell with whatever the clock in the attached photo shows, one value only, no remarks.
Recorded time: 11:26:41
